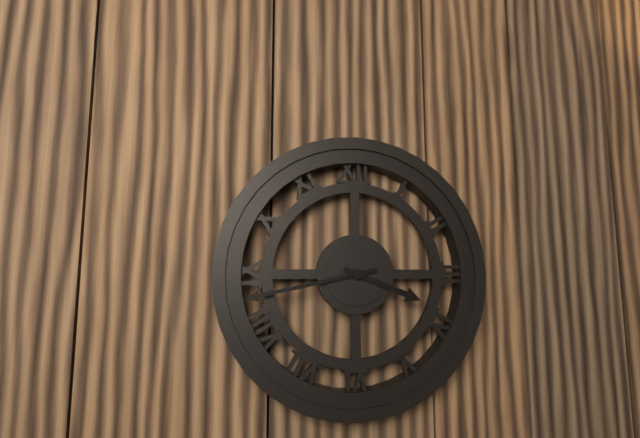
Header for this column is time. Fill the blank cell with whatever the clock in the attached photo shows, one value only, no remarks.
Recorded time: 3:43
